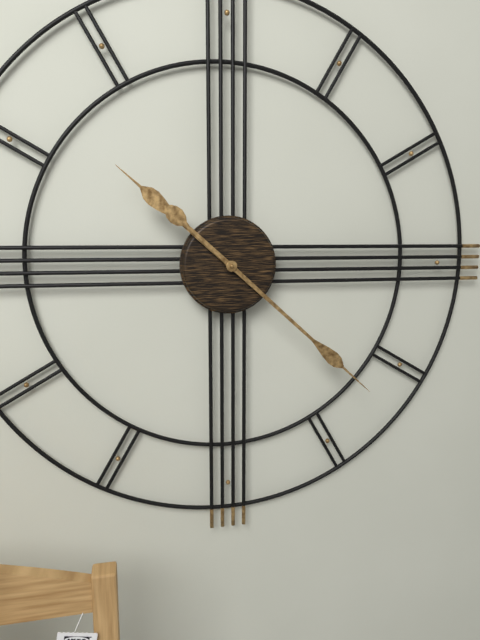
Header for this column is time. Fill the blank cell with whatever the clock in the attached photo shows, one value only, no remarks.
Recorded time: 10:22
